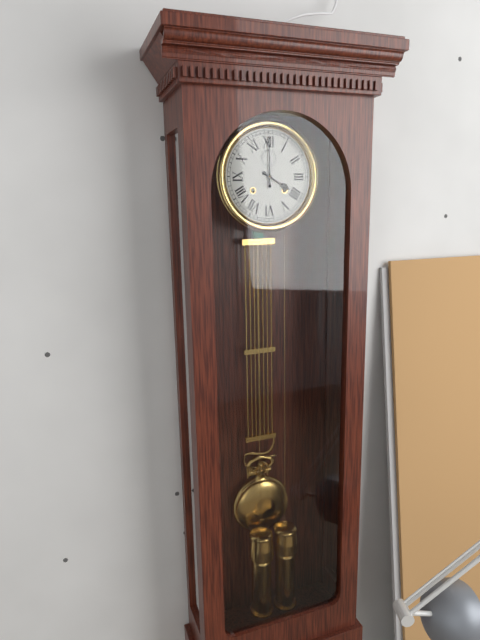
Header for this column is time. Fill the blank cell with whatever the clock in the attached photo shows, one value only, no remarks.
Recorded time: 4:00
